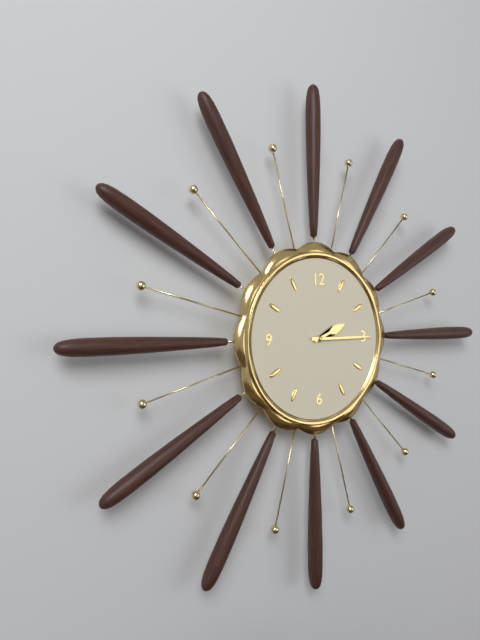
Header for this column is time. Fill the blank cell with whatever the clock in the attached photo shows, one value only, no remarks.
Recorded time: 2:15
